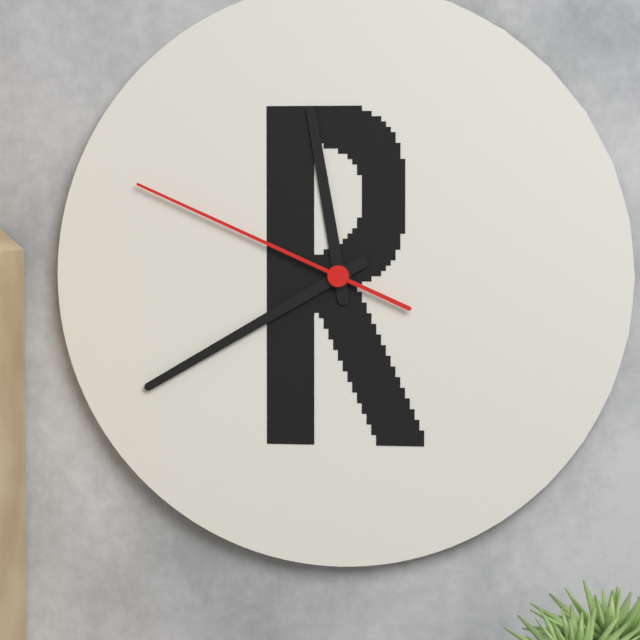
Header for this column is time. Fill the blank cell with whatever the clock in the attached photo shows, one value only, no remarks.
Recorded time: 11:40:49
